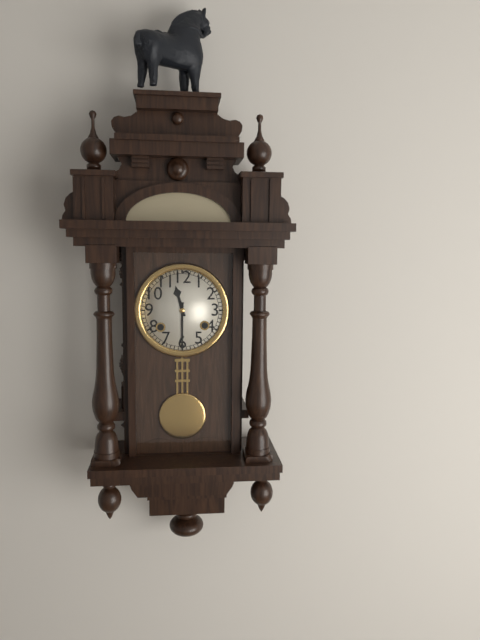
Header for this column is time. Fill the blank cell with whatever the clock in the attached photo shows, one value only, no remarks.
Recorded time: 11:30
